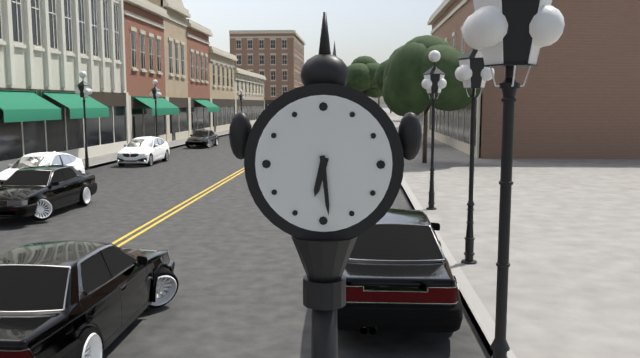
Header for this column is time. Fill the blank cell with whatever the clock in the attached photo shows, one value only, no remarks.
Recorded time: 6:29
